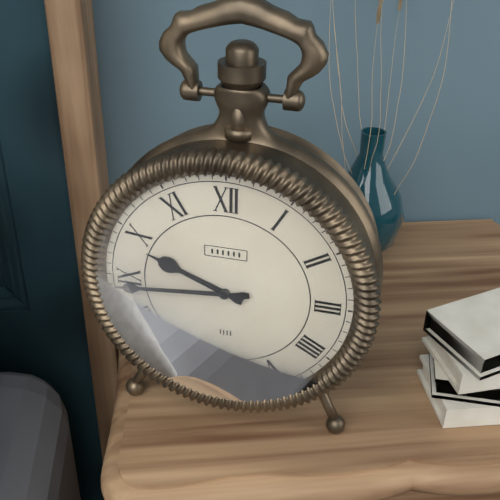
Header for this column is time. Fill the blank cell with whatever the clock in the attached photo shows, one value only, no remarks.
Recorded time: 9:44
